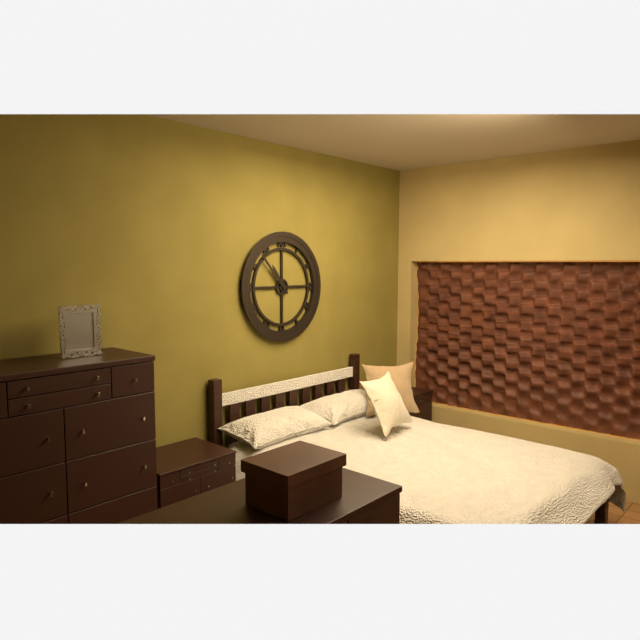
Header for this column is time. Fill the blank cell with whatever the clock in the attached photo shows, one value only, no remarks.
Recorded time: 10:53
